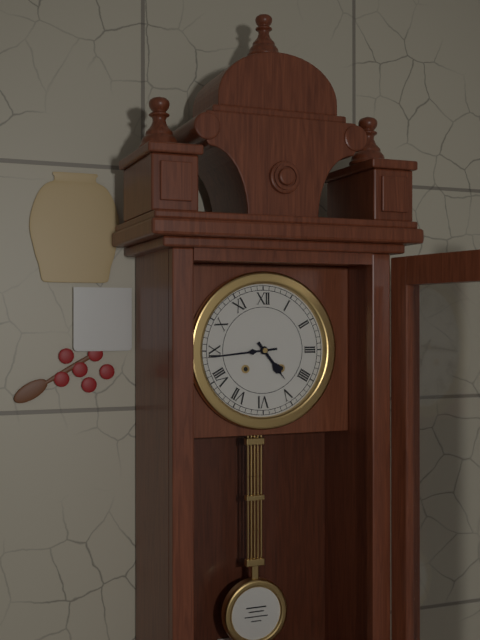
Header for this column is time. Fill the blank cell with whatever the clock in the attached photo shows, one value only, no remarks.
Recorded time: 4:44
